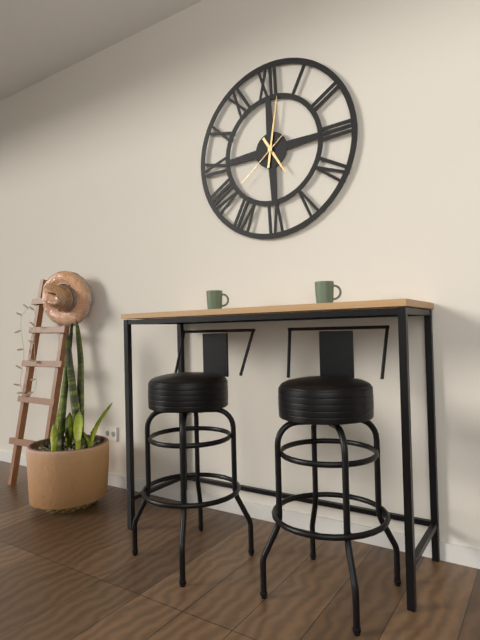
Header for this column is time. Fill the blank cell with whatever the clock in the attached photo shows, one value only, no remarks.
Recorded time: 5:02:39
